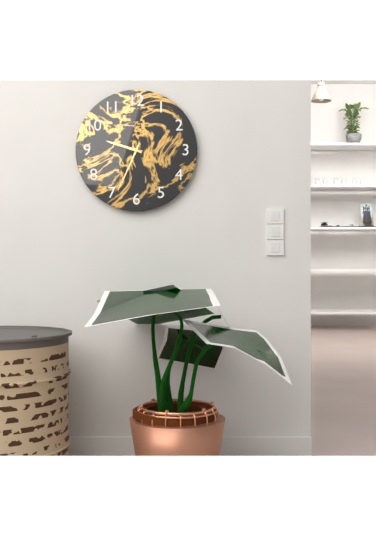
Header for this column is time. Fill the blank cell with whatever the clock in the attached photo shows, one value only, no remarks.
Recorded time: 9:34
